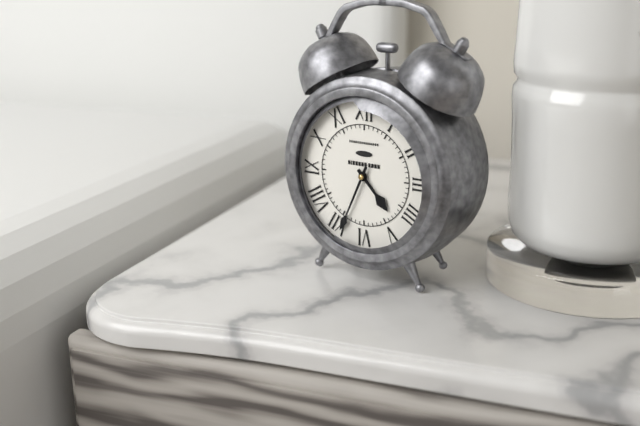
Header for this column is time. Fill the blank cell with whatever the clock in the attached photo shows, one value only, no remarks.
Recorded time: 4:34
